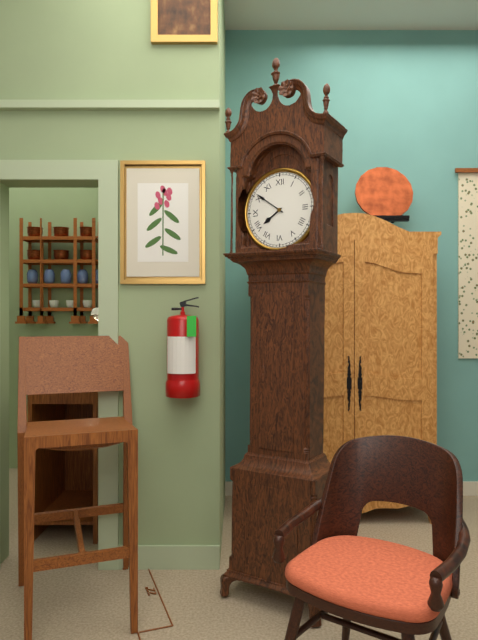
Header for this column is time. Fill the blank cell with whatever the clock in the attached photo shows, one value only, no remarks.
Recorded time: 7:51
